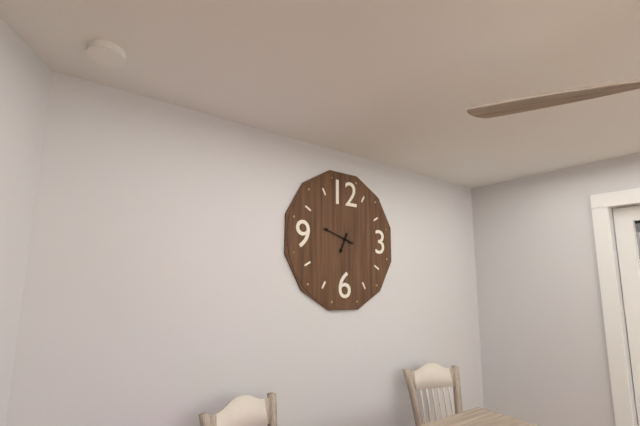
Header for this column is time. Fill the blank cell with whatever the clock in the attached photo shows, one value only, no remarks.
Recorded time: 6:48
